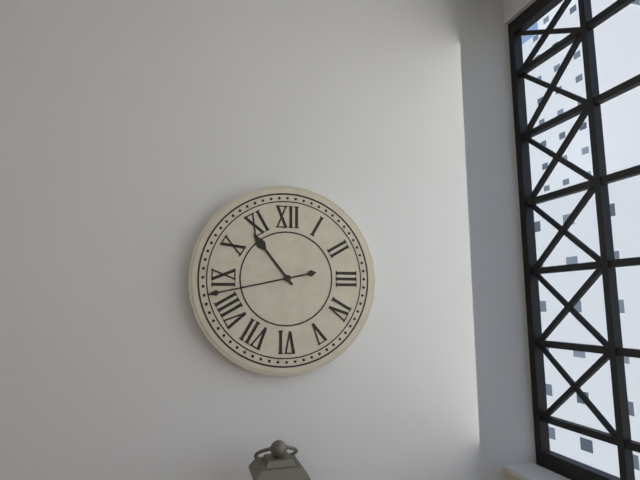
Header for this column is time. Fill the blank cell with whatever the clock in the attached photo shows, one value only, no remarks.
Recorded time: 10:43
